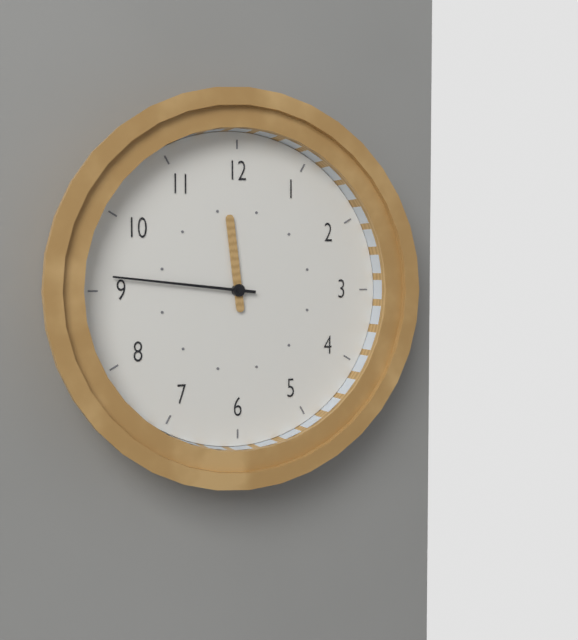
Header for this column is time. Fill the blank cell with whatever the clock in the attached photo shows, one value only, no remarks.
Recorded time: 11:46
